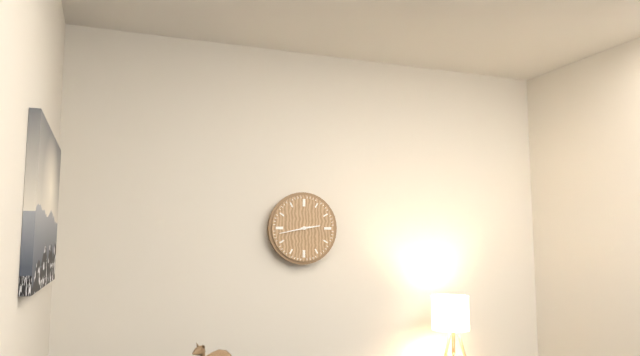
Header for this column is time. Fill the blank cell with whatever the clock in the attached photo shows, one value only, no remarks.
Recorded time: 2:43
